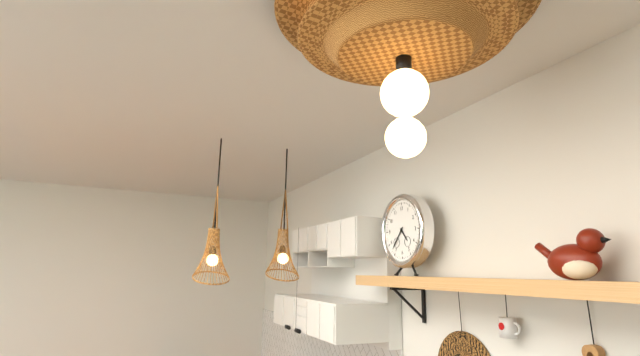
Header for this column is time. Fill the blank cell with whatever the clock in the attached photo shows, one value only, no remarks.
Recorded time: 4:37
